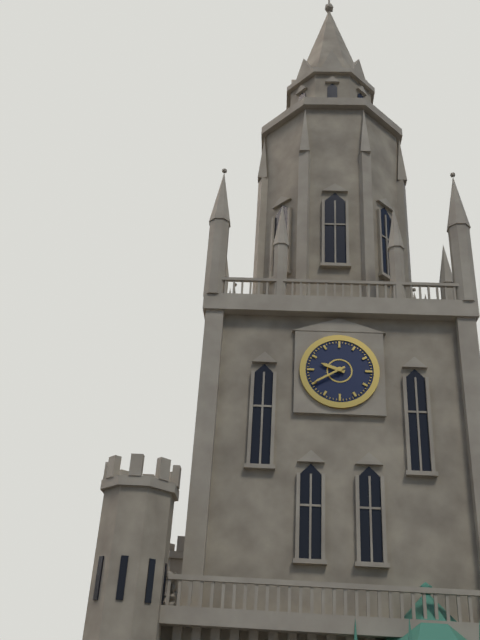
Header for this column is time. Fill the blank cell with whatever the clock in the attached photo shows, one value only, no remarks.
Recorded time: 9:40
